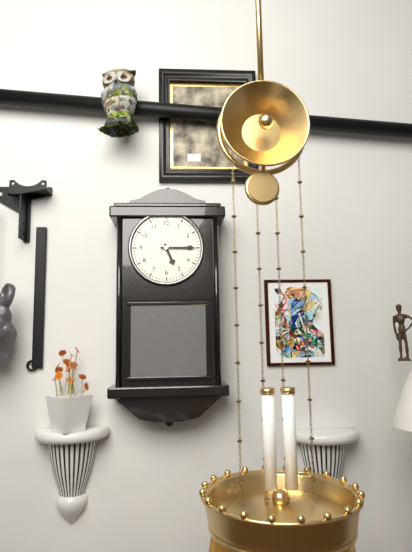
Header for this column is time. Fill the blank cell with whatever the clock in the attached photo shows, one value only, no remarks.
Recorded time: 5:15
